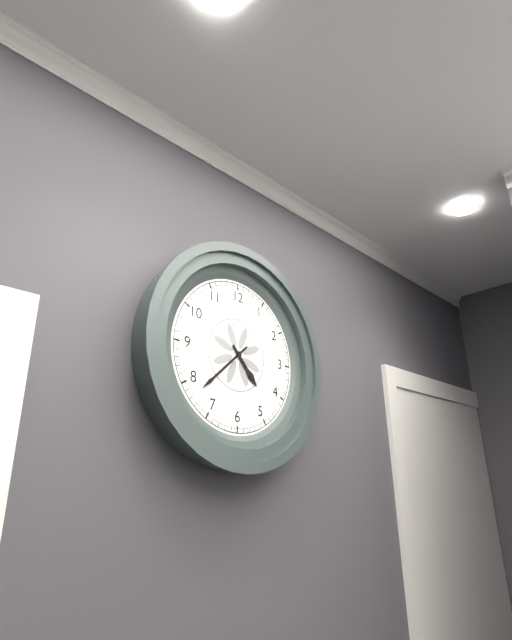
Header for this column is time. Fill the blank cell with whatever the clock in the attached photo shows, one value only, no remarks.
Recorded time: 4:38
